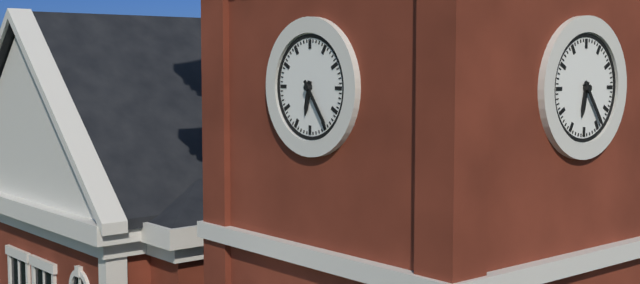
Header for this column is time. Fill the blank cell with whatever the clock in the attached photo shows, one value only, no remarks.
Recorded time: 6:24
